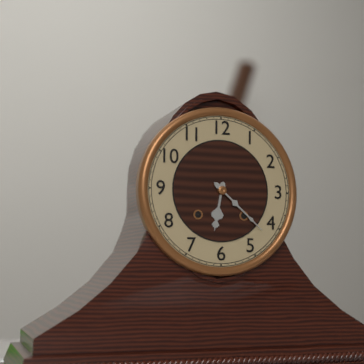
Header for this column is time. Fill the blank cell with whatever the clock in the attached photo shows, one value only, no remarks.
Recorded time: 6:22
